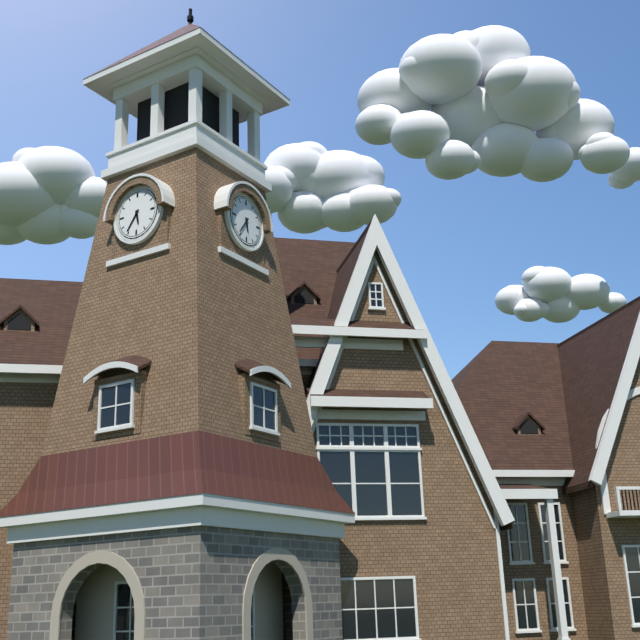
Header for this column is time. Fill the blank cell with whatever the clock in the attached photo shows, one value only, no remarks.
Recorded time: 5:36
